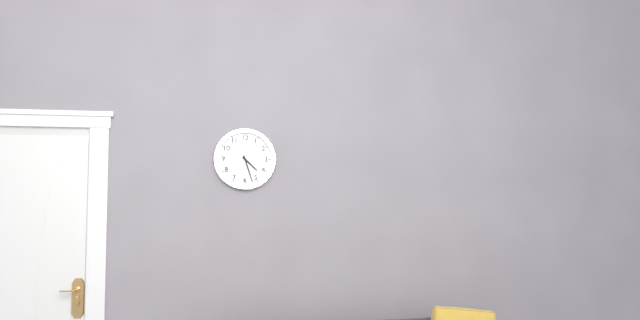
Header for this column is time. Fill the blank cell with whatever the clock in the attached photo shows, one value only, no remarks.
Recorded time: 4:27
